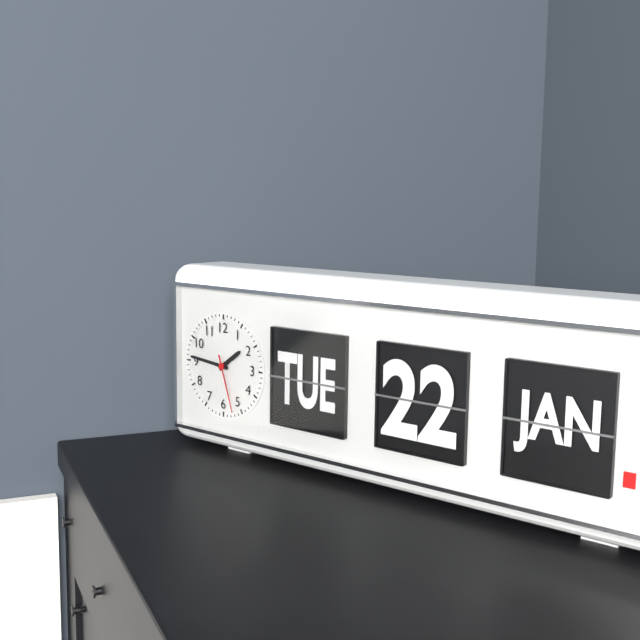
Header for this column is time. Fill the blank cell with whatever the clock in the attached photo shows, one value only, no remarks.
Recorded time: 1:46:27
